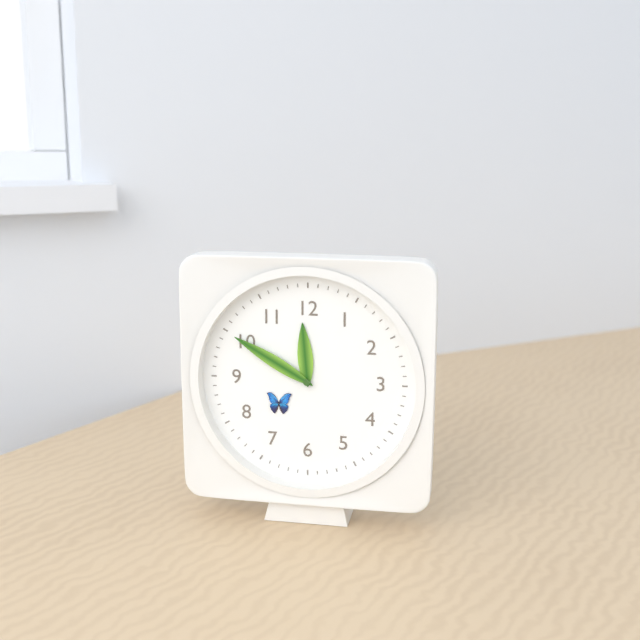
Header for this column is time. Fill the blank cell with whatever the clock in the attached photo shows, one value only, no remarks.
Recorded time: 11:50
